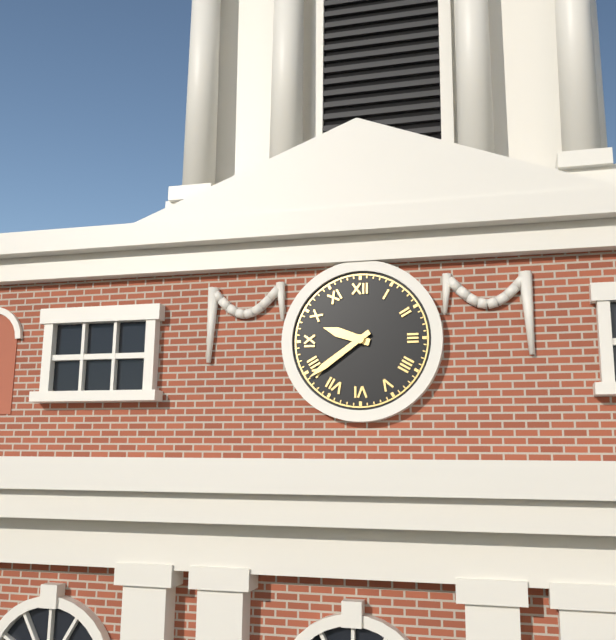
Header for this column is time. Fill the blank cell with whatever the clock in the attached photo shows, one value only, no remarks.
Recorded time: 9:39
